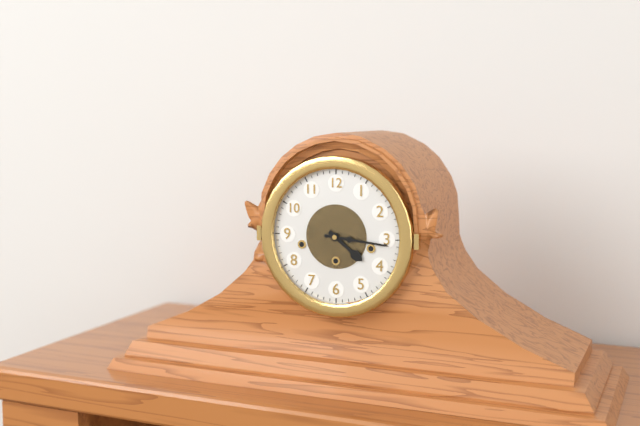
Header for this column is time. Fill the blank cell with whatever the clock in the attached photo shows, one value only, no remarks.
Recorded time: 4:16
